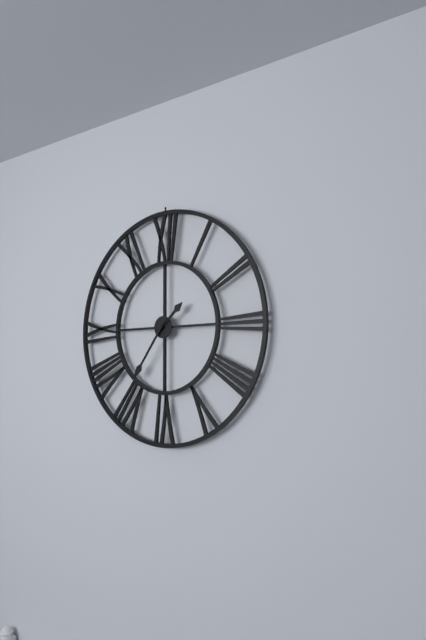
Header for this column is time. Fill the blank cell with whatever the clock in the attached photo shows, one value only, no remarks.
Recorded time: 1:36
